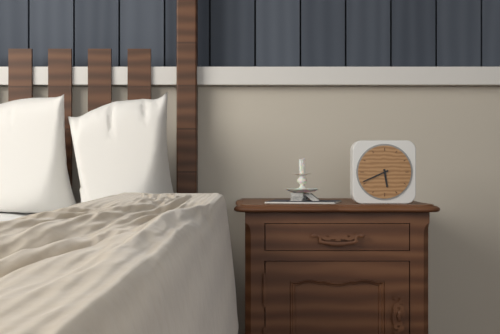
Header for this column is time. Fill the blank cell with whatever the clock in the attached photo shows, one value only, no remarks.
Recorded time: 5:41
